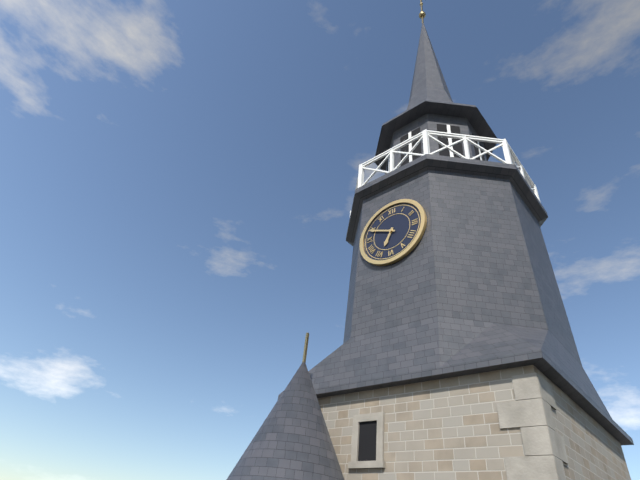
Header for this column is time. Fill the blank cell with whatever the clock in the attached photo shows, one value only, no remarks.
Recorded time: 6:49
